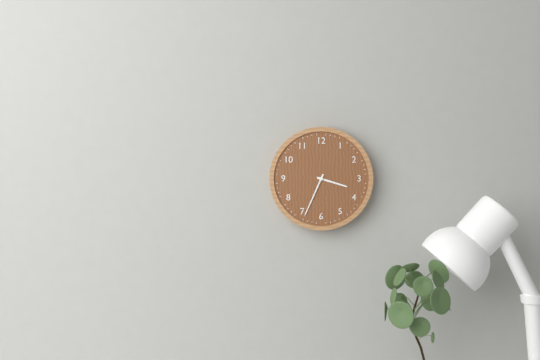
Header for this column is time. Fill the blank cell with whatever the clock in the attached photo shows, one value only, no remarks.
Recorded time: 3:34
